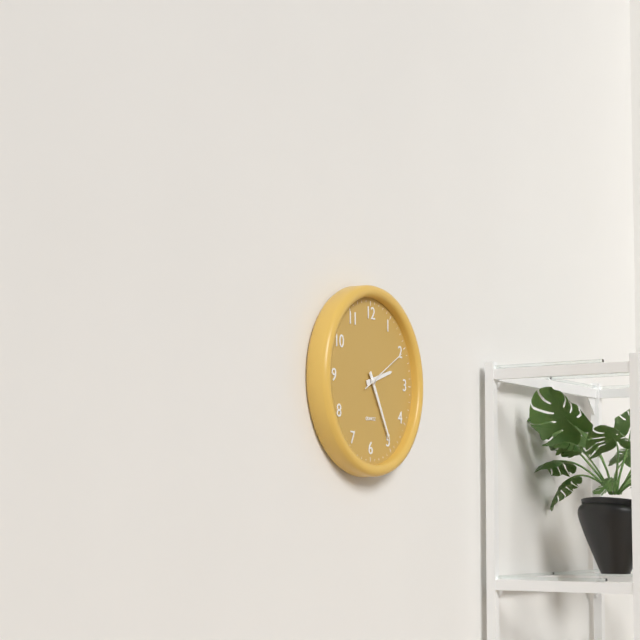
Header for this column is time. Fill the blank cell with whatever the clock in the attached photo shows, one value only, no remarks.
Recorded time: 2:25
